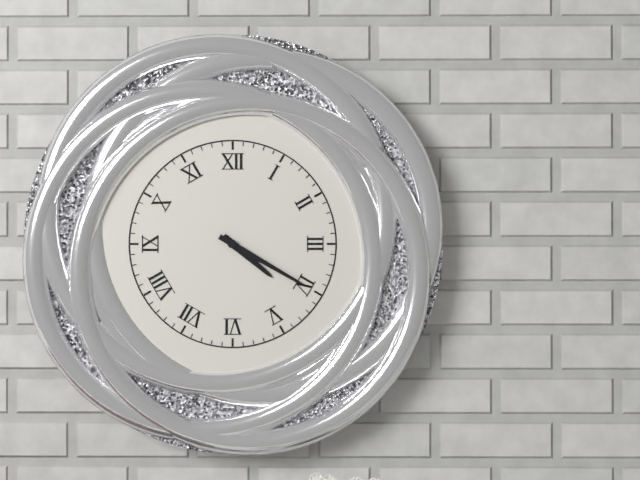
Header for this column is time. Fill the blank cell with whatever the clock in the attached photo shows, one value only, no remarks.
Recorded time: 4:20
